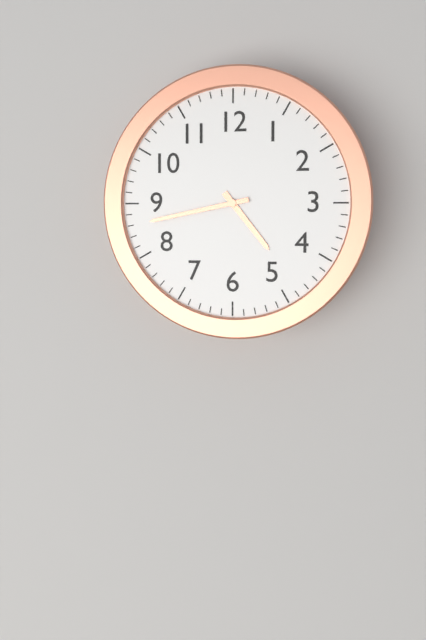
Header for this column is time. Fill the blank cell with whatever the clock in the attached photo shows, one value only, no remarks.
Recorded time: 4:43
